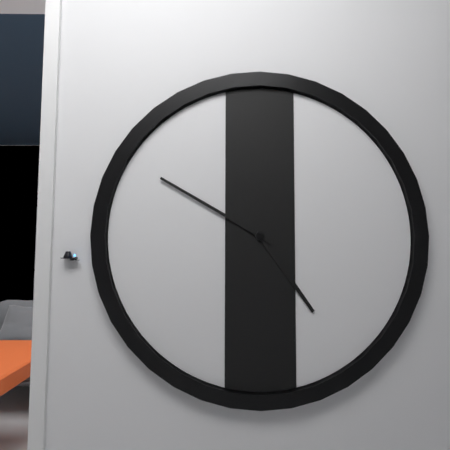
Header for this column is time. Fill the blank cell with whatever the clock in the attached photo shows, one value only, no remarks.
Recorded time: 4:50
